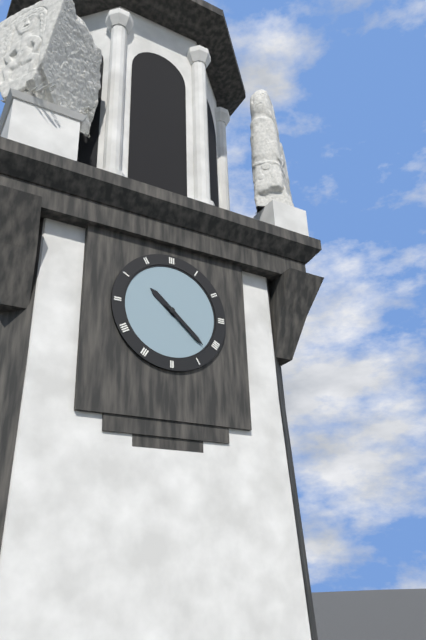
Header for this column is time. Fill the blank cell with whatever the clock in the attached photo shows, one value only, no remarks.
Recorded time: 10:22
